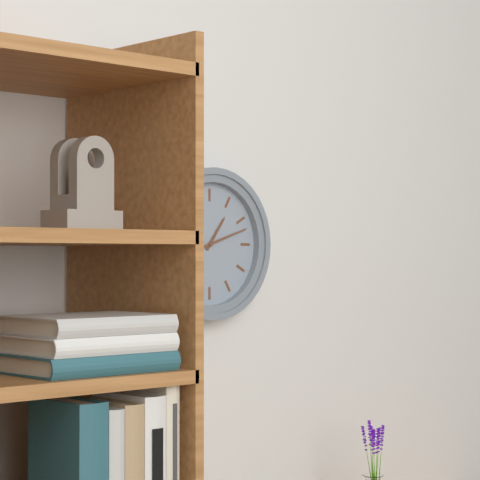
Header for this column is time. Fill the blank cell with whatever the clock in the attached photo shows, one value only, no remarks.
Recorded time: 1:12
